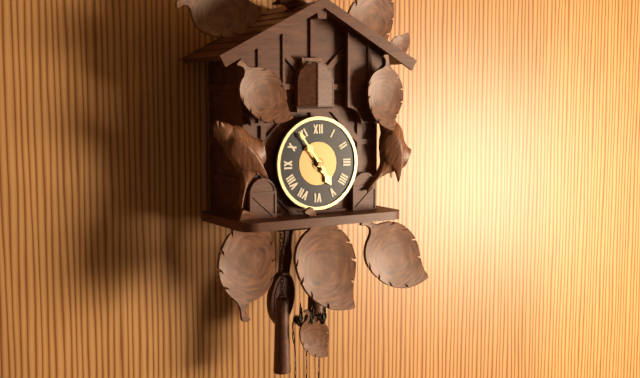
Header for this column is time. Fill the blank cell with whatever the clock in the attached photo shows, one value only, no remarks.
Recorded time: 4:54
